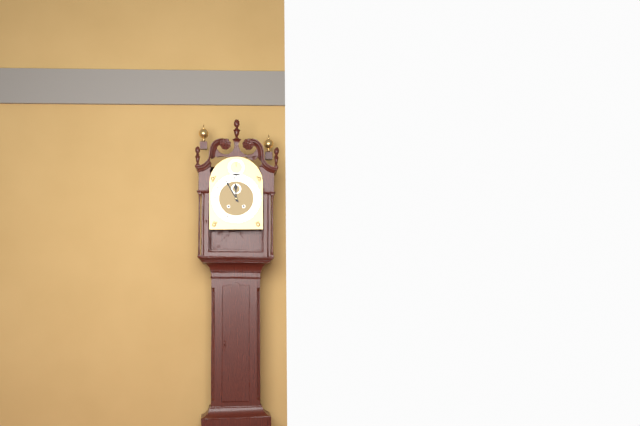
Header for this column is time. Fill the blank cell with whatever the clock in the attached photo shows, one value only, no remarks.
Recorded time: 11:55
